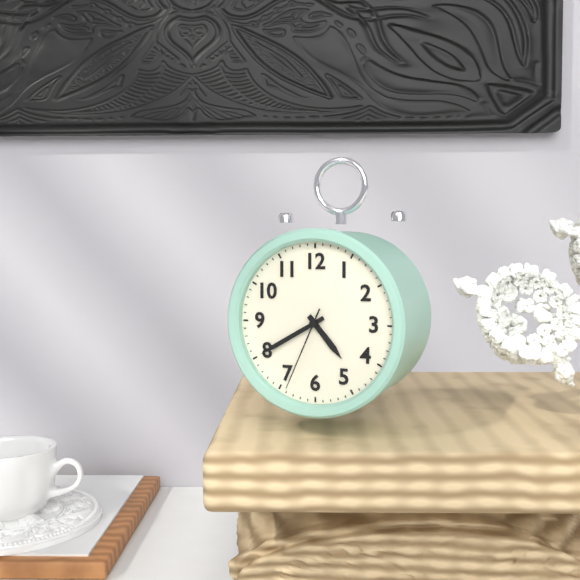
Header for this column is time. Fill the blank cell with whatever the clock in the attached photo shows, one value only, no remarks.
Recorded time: 4:40:34
